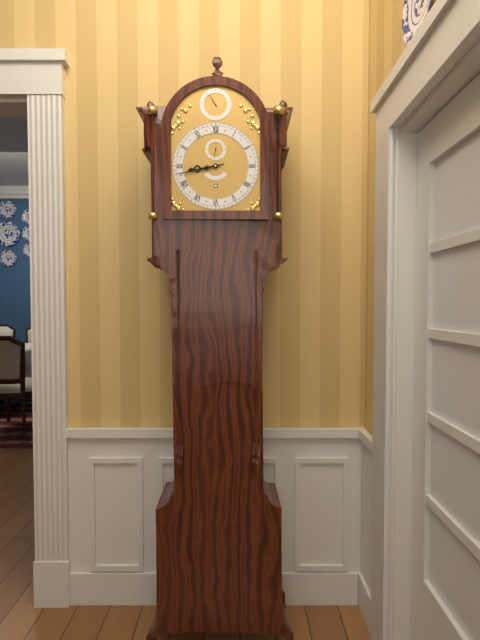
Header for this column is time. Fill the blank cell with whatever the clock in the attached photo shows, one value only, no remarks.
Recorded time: 8:43
